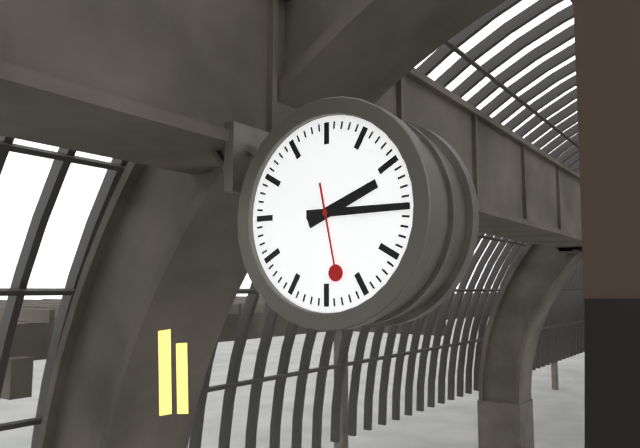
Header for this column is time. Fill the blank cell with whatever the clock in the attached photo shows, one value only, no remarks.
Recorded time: 2:15:28
